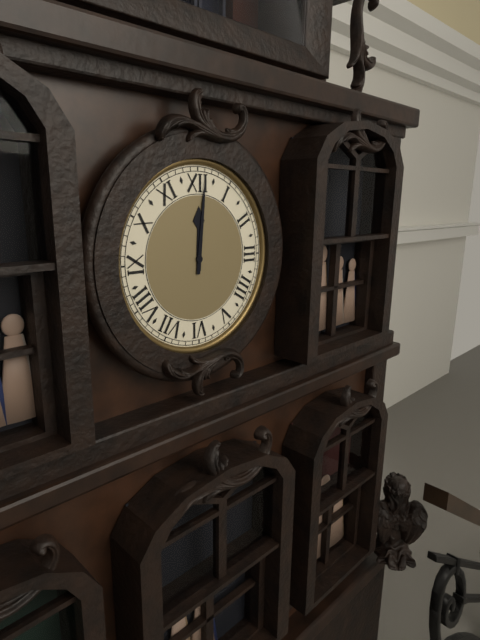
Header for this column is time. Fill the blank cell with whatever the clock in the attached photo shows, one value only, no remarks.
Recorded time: 12:01
